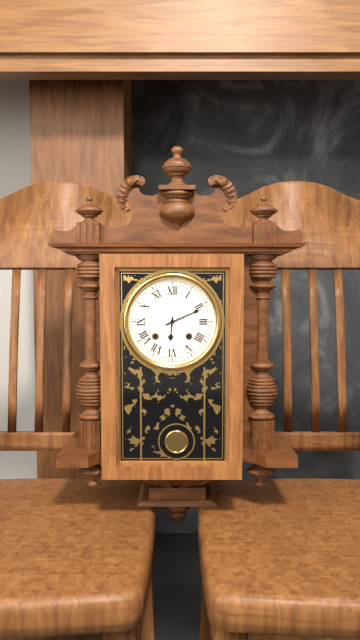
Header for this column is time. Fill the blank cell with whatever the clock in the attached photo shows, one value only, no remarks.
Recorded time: 6:11
